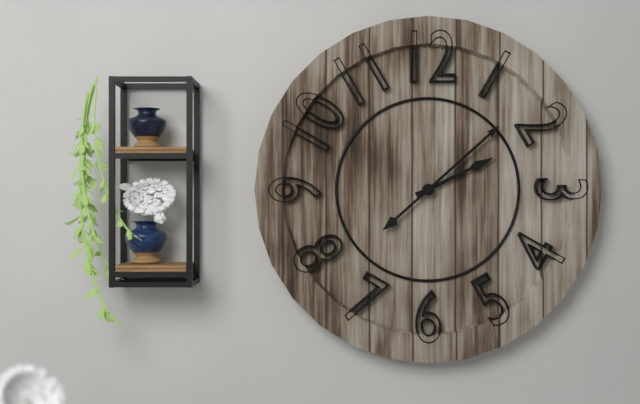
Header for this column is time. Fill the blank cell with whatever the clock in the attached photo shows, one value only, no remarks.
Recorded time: 2:08
